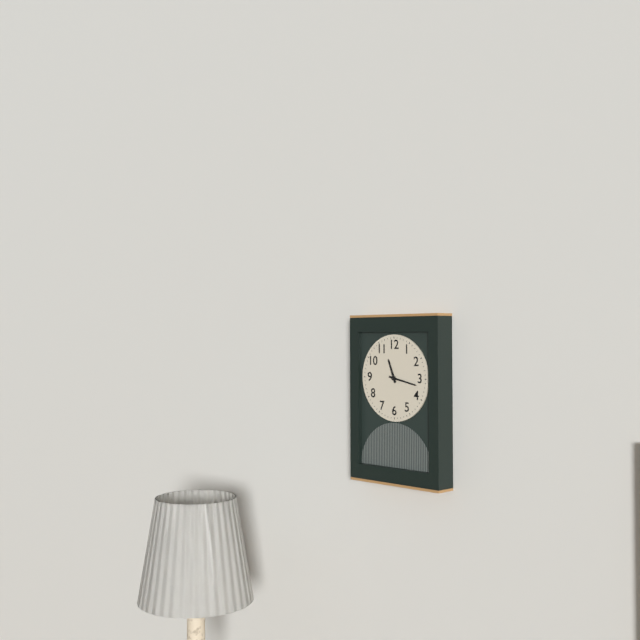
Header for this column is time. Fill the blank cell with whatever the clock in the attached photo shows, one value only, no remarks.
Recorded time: 11:17
